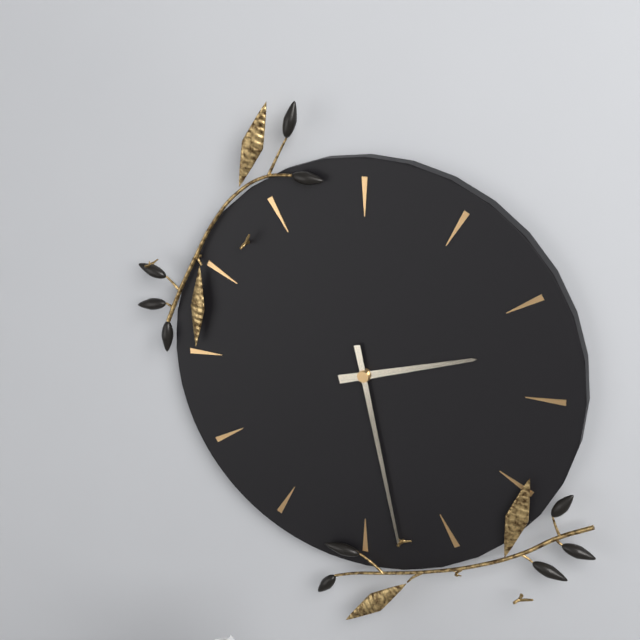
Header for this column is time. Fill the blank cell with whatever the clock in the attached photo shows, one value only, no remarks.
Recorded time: 2:28
